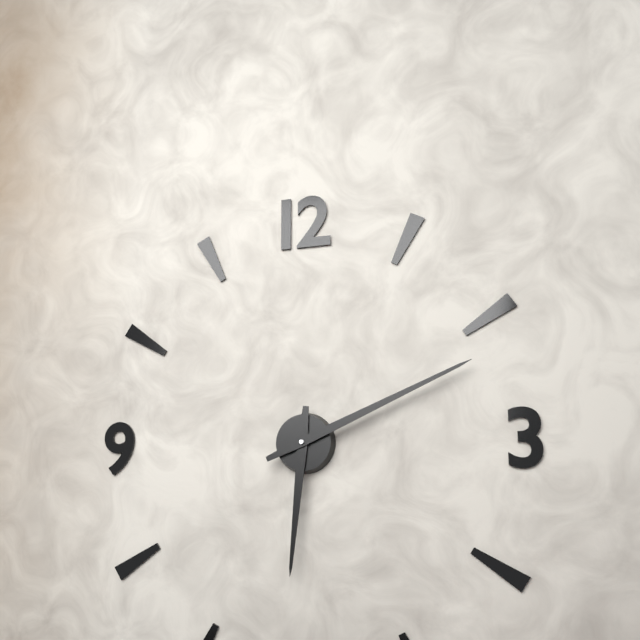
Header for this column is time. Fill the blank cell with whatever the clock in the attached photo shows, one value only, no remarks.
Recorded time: 6:11
